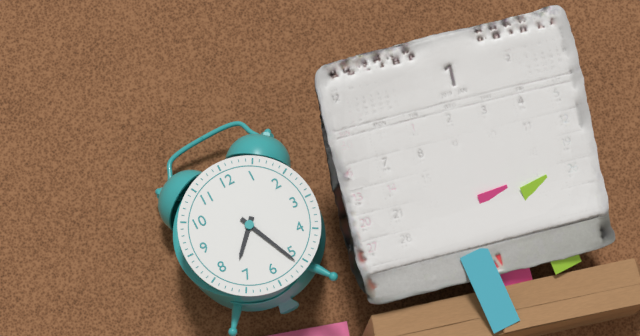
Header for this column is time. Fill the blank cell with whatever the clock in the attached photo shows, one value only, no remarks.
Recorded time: 7:26
